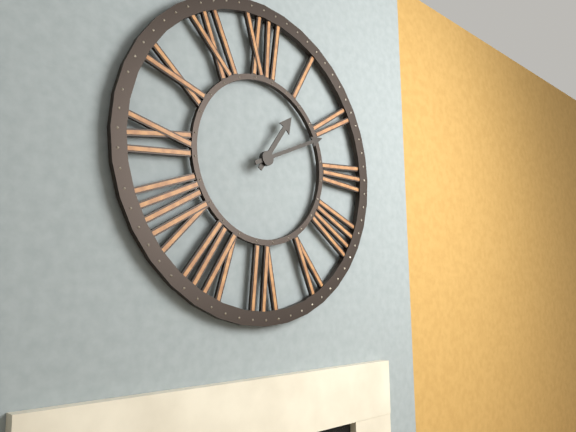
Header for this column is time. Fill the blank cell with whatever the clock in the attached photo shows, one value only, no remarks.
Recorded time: 1:11
